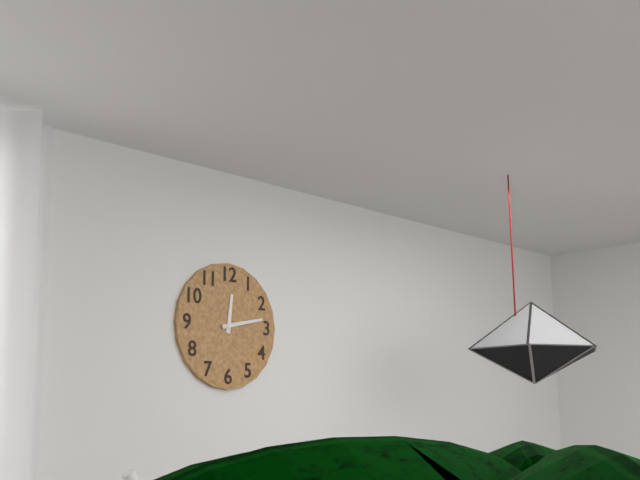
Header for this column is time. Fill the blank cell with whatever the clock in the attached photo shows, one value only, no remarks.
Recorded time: 12:13
